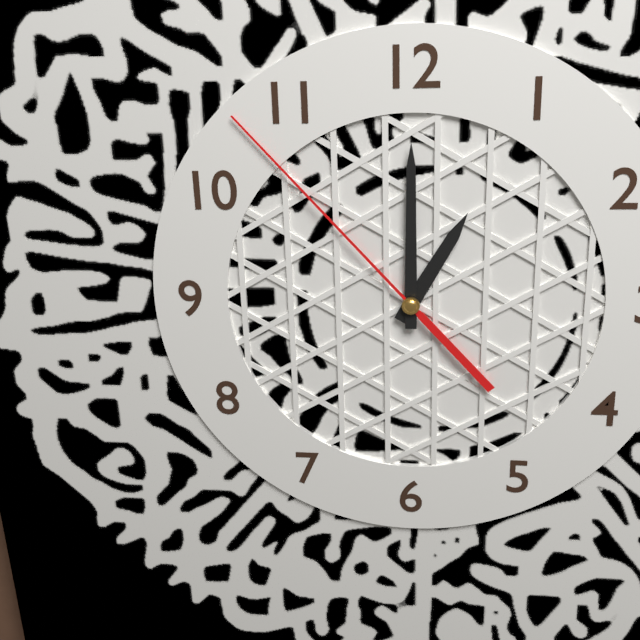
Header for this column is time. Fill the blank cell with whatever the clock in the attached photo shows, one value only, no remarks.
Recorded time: 1:00:53
